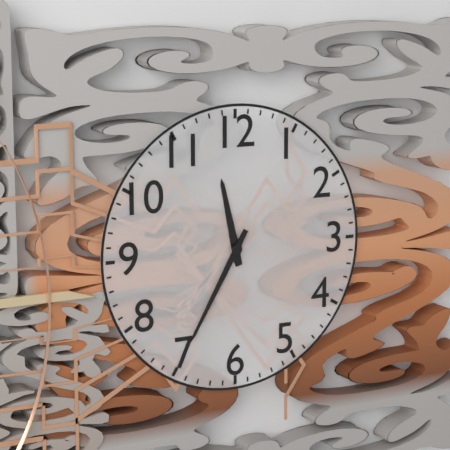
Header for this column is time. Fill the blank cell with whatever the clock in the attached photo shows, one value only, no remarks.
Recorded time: 11:35
